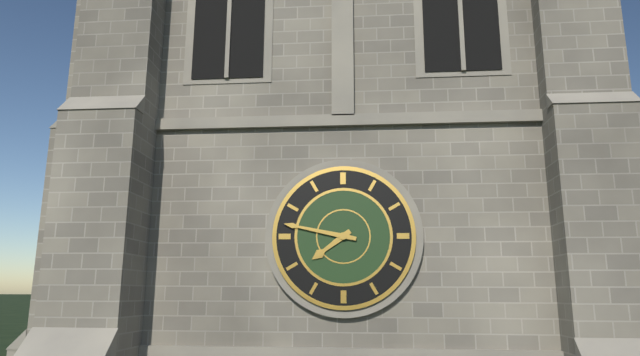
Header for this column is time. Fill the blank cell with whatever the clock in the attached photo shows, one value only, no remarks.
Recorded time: 7:47
